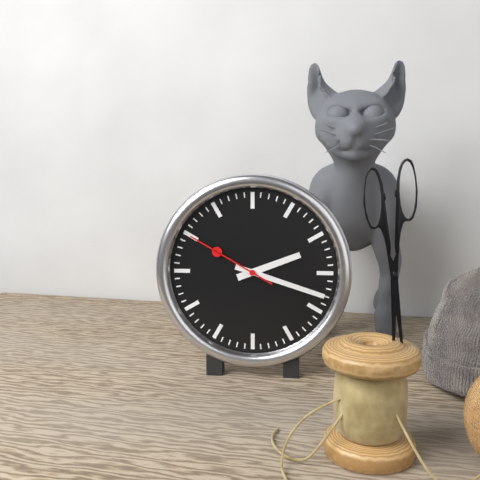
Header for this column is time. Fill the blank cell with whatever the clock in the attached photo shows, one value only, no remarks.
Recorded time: 2:18:50
